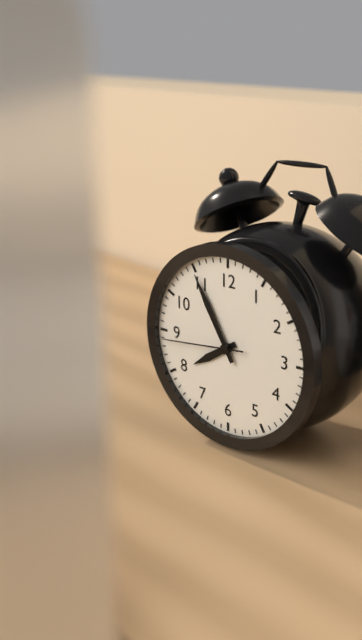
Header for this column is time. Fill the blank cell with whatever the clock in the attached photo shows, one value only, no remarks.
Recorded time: 7:55:44
